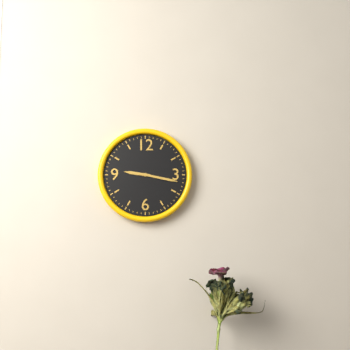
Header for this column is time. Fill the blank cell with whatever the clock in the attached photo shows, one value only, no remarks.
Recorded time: 9:17
